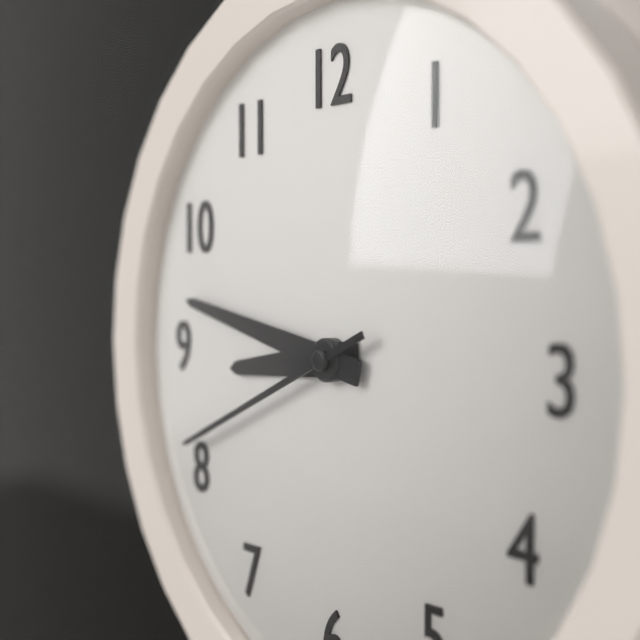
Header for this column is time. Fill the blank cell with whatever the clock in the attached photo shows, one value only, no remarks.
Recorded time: 8:47:41
